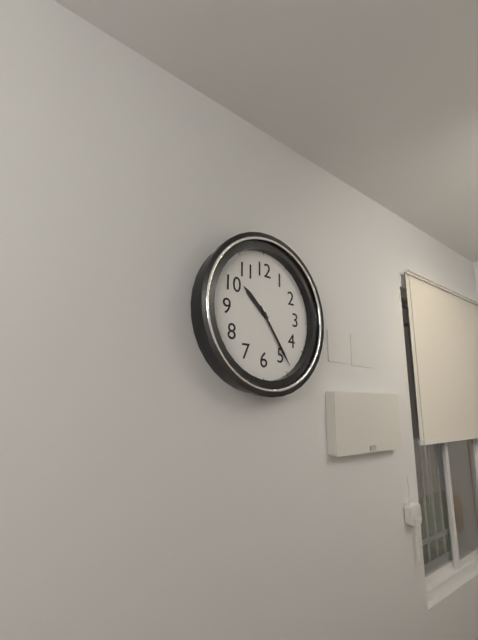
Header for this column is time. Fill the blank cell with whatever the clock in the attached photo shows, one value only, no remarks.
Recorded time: 10:24
